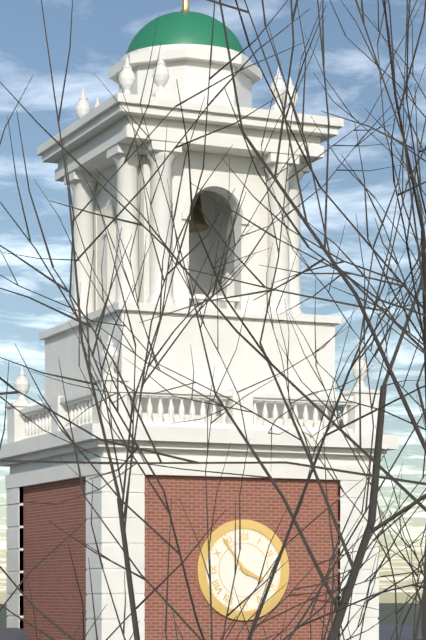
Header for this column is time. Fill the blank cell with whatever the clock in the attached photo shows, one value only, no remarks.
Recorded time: 3:54
